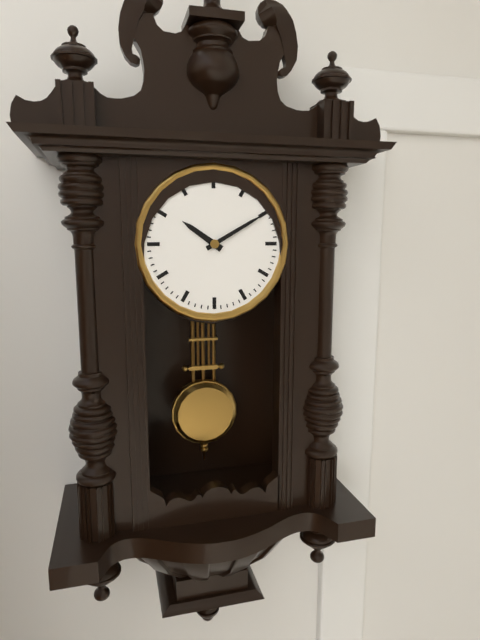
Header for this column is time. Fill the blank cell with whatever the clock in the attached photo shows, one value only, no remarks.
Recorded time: 10:10
